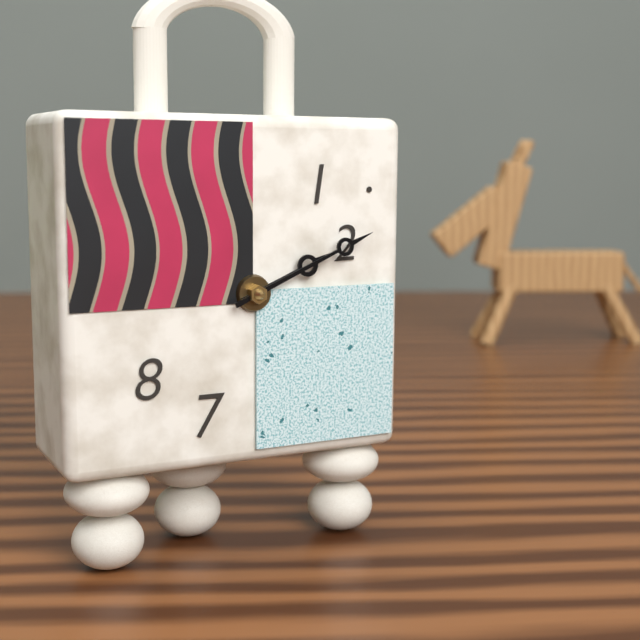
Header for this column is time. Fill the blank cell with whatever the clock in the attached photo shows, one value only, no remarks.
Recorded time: 2:11
